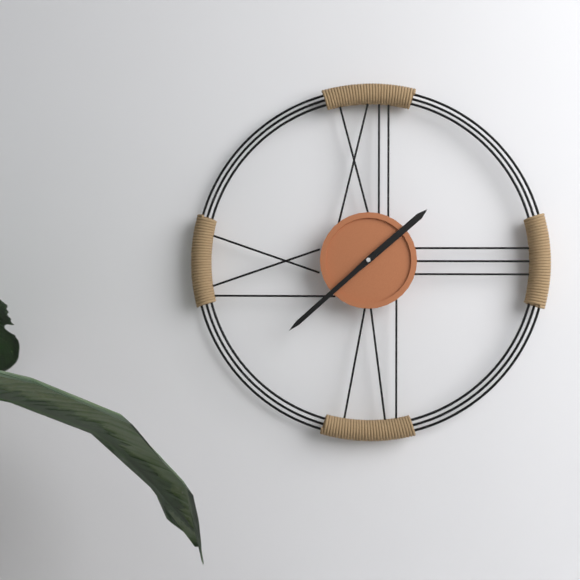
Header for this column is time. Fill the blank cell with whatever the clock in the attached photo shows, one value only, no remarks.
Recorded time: 1:38
